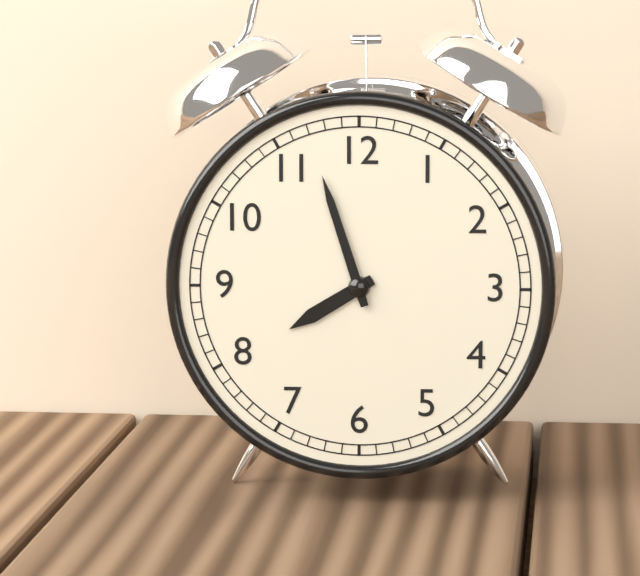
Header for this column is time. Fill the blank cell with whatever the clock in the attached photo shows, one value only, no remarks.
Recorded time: 7:57
